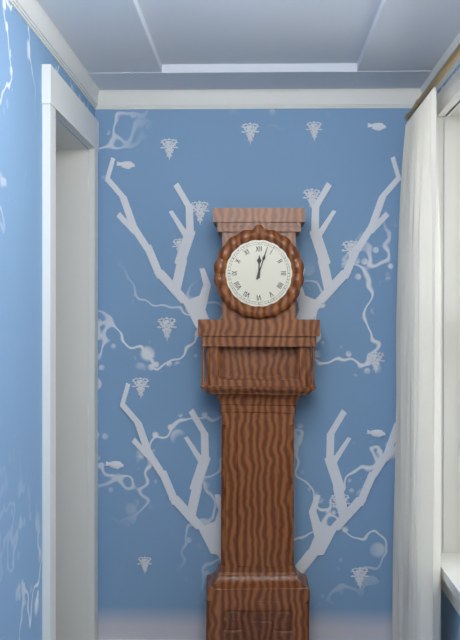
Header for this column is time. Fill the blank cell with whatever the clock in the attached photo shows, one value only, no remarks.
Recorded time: 12:03
